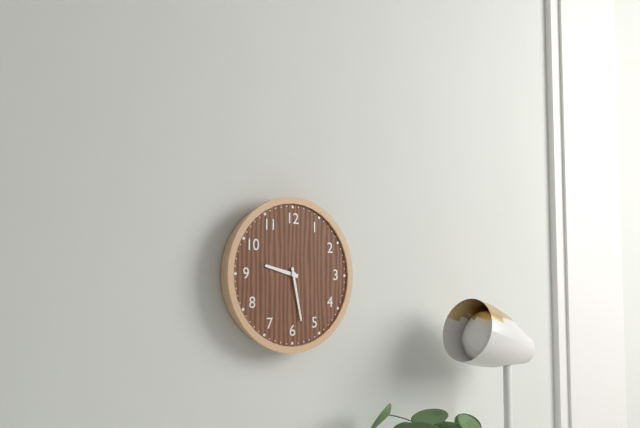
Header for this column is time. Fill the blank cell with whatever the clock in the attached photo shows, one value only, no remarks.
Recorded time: 9:28
